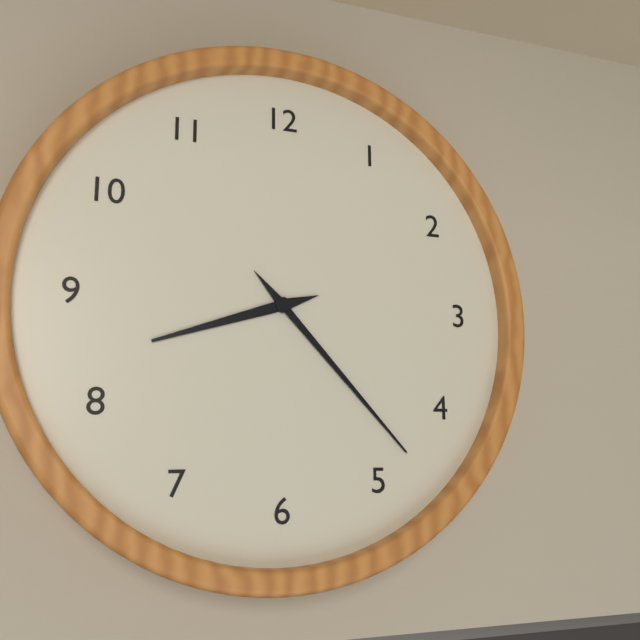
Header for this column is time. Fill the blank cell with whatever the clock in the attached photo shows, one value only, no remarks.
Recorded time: 8:23
